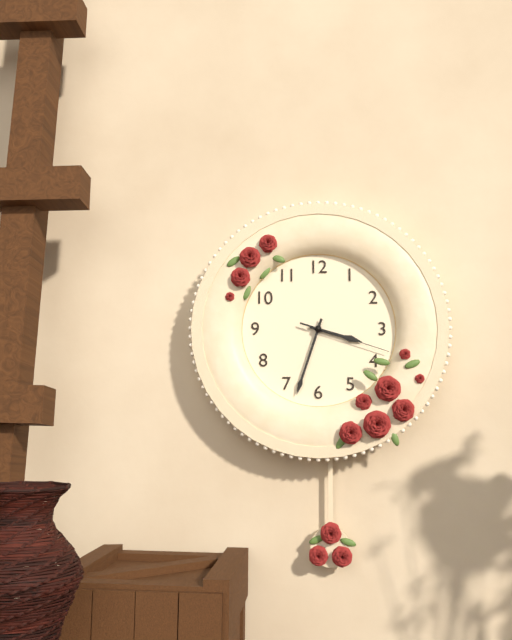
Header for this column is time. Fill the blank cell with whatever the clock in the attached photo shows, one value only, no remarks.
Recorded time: 3:33:18
